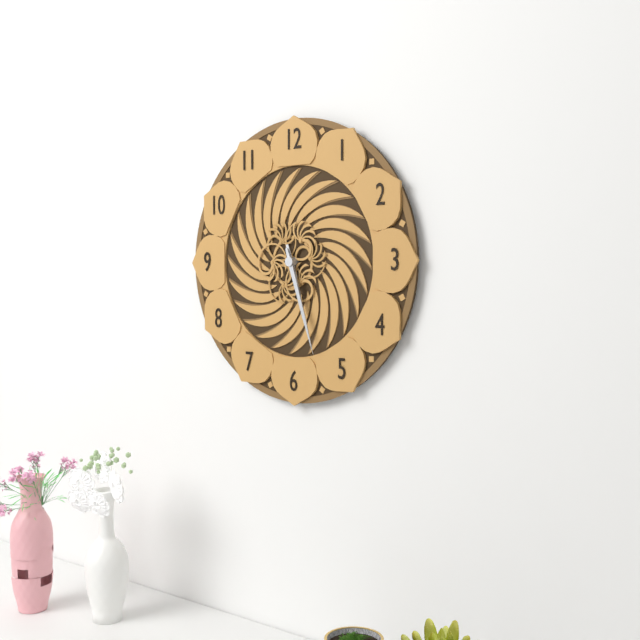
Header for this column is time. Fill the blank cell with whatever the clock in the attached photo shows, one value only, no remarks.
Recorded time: 5:27
